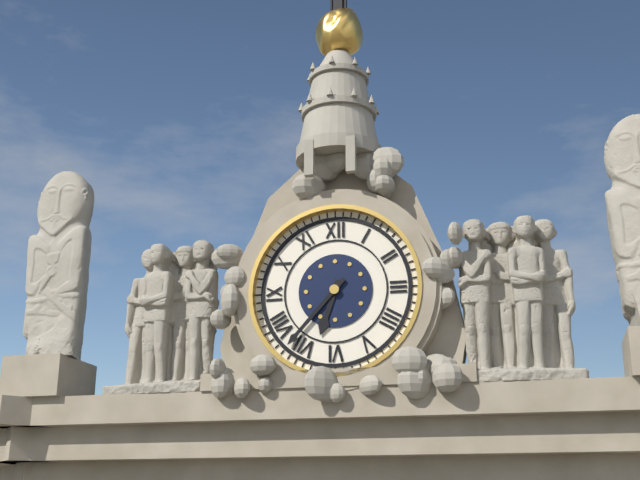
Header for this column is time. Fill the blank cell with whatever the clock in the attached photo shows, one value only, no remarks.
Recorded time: 6:37
